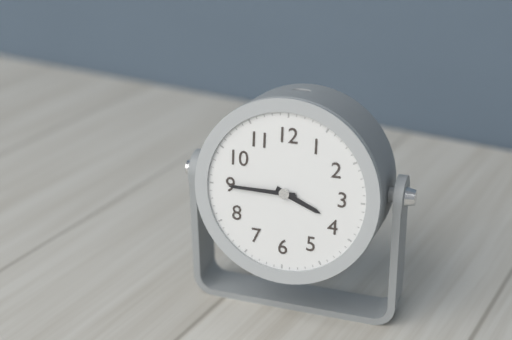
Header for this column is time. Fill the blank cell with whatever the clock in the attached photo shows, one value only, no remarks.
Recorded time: 3:45
